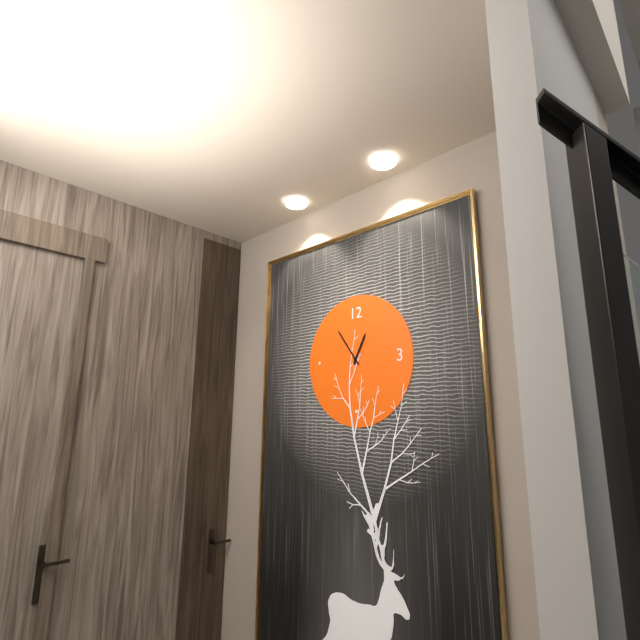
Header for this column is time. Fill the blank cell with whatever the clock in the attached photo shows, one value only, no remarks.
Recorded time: 12:54
